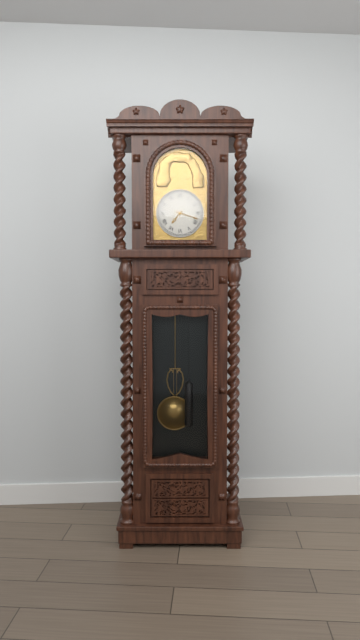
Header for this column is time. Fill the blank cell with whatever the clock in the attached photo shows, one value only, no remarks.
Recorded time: 7:18
